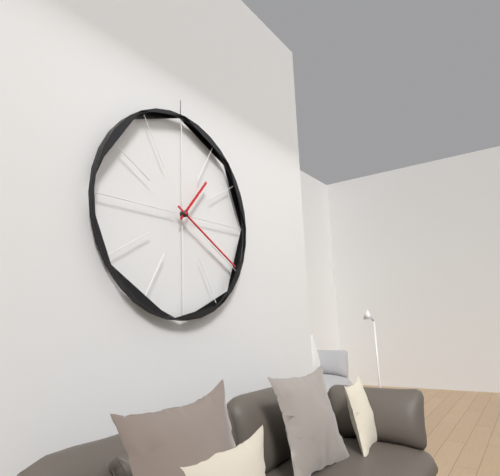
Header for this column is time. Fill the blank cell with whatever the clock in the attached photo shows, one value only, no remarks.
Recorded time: 1:20
